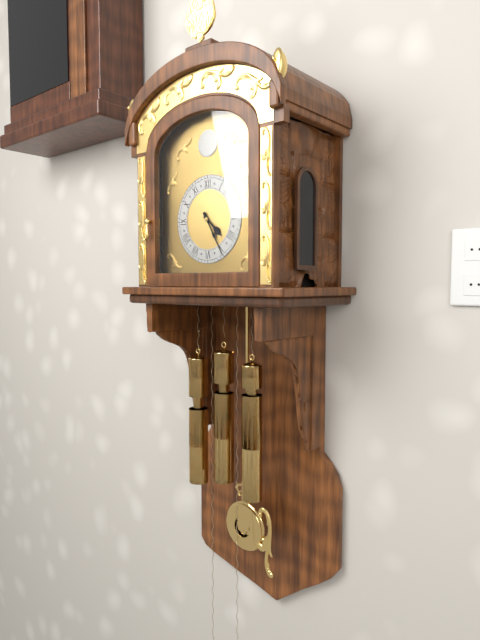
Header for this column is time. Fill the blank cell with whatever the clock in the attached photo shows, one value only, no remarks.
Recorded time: 4:25
